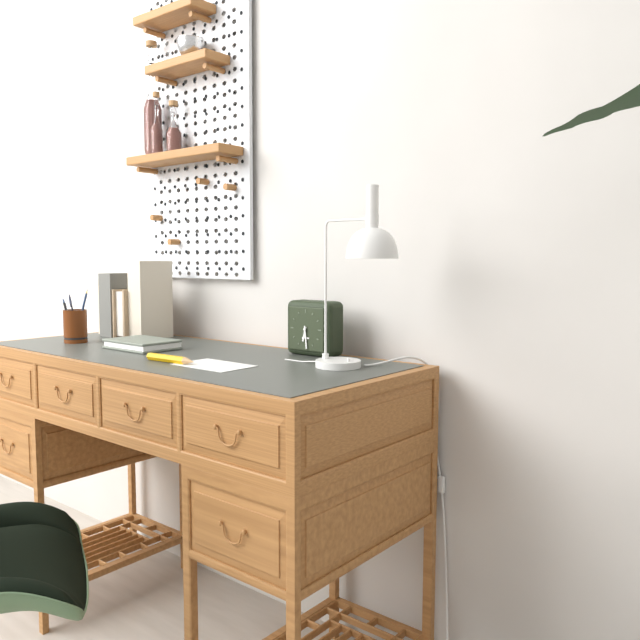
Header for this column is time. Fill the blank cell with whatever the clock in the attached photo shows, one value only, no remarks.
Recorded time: 6:29
